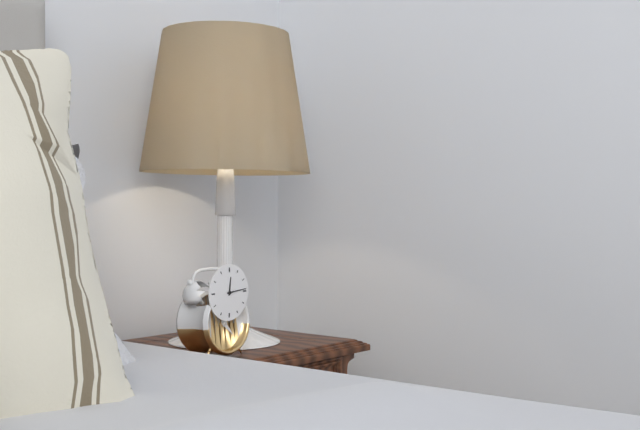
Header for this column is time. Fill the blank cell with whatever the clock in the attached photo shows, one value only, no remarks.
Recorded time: 12:14
